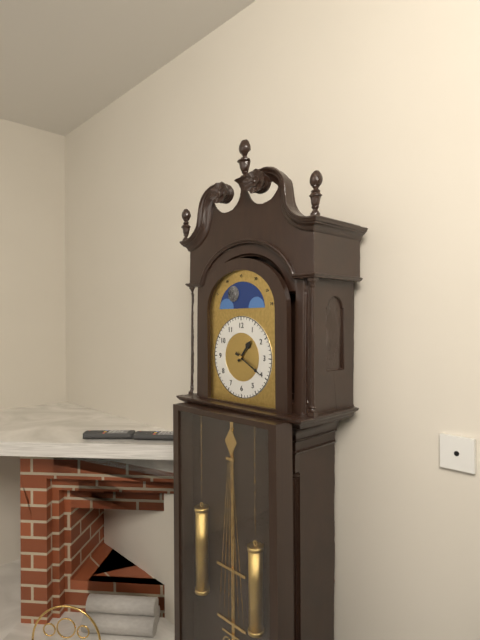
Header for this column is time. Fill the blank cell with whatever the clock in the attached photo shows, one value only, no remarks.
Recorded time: 1:20
